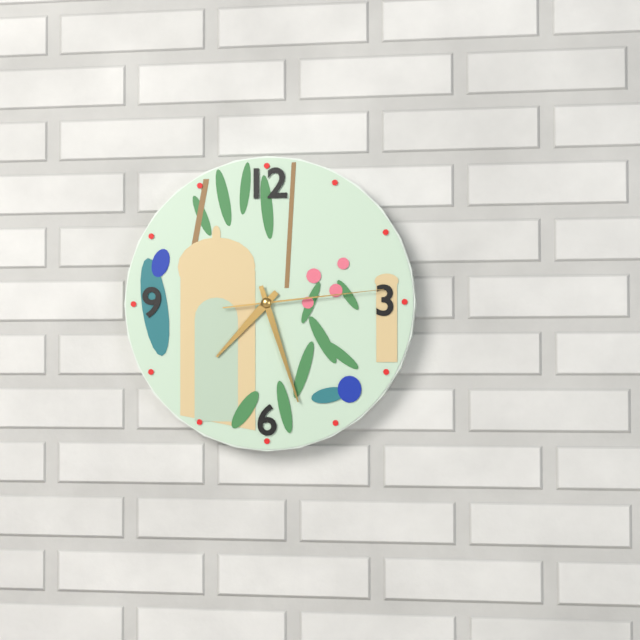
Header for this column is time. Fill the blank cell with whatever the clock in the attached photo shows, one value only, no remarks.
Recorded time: 7:27:14
